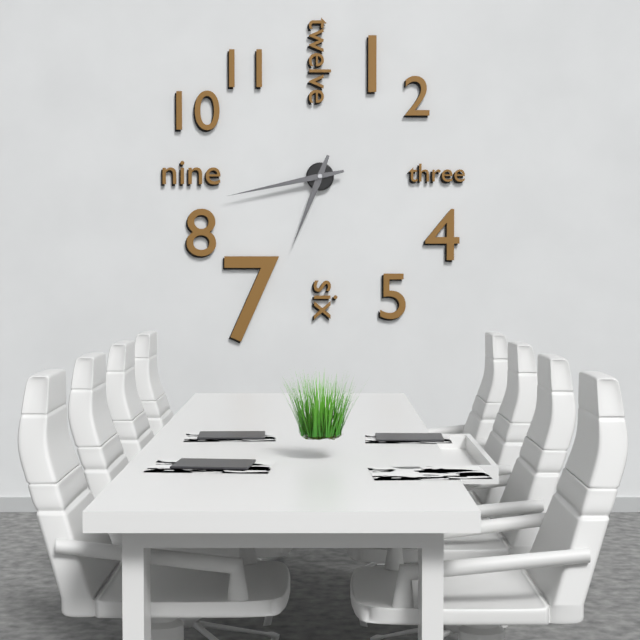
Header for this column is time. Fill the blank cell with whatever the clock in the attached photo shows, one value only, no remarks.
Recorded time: 6:43
